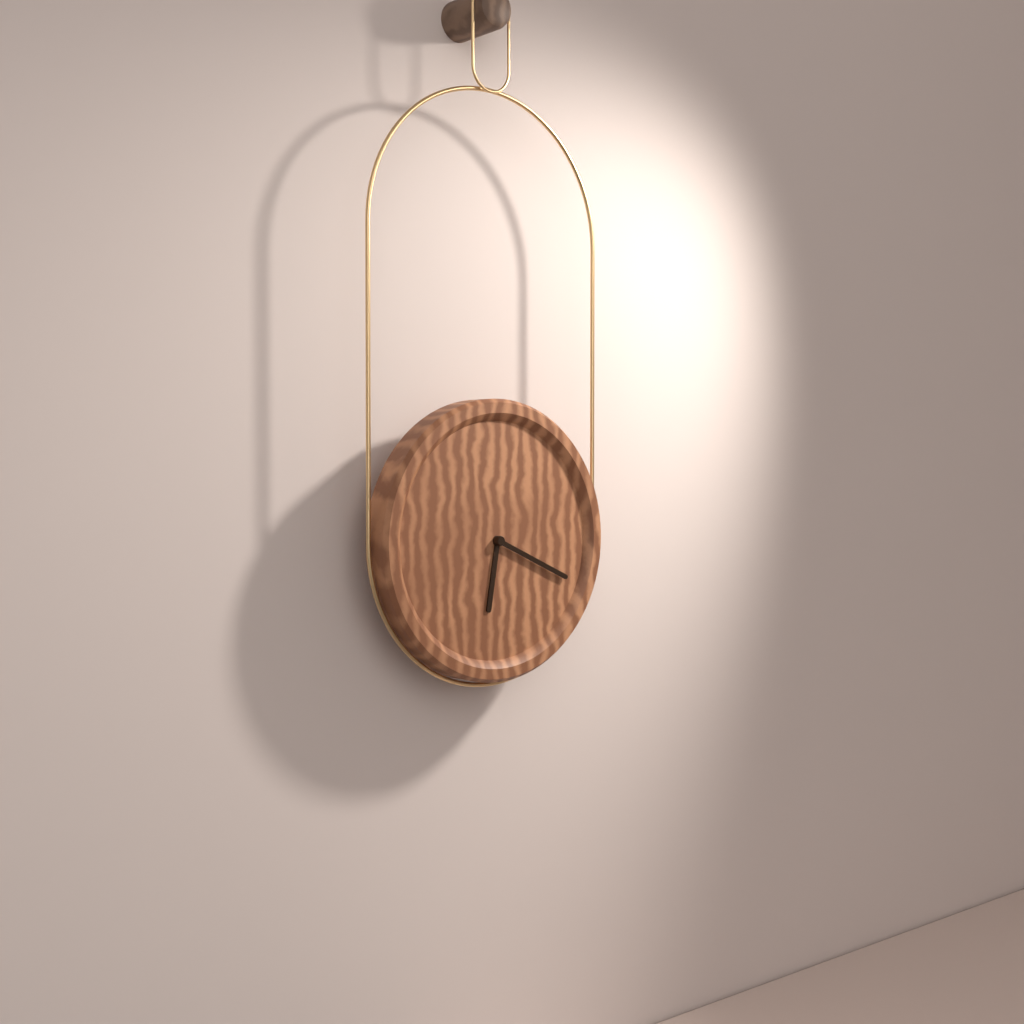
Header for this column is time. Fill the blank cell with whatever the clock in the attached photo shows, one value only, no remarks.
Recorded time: 6:19
